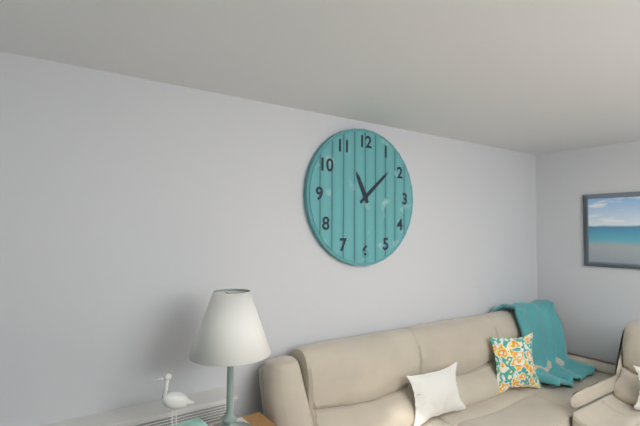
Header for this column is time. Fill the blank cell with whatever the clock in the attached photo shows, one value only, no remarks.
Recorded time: 11:08
